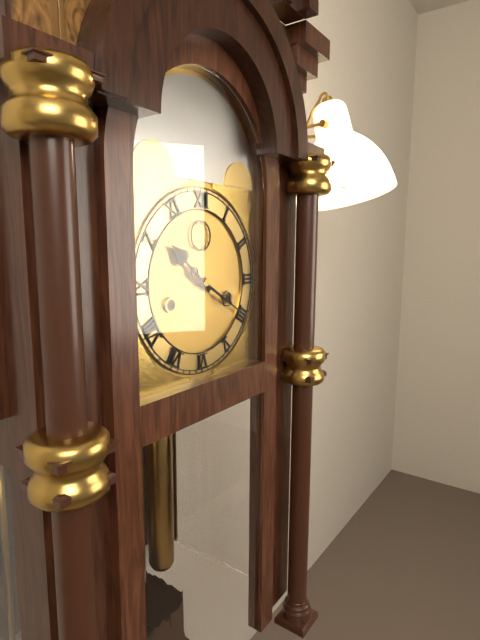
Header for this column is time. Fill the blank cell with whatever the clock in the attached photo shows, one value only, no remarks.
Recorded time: 10:20
